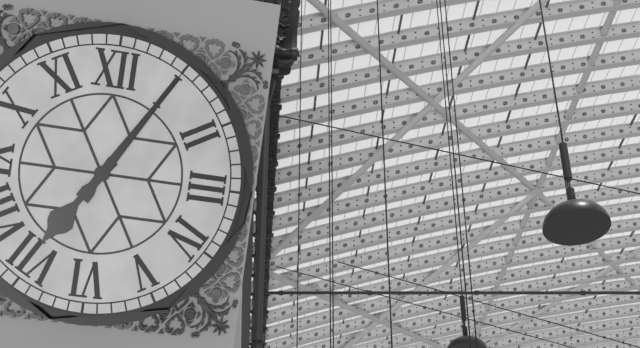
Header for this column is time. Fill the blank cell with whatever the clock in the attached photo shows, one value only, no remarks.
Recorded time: 7:05
